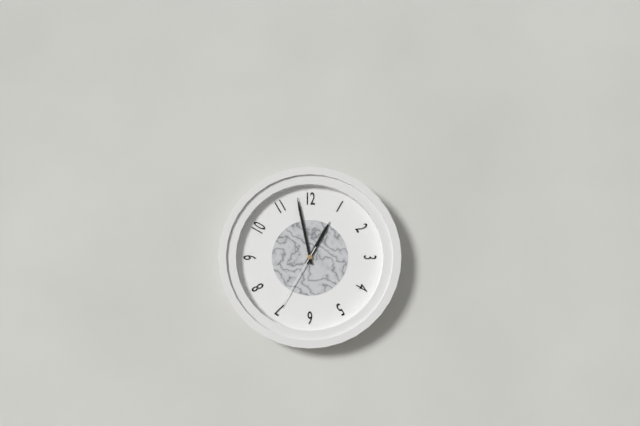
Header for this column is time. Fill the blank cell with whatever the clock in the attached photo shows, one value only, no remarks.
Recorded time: 12:58:35
